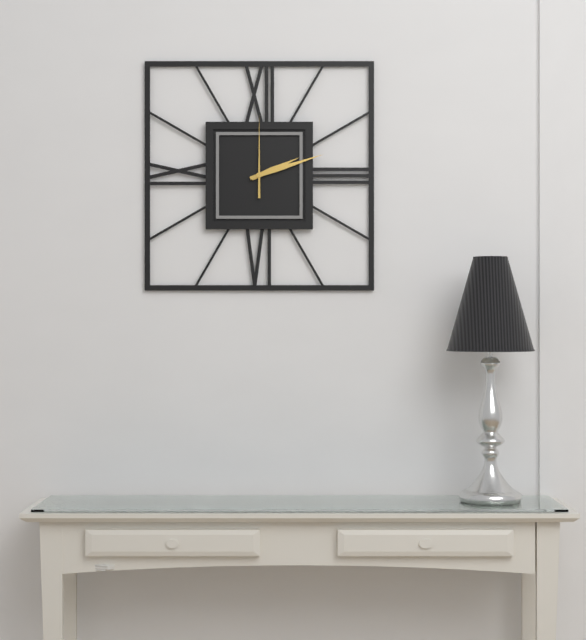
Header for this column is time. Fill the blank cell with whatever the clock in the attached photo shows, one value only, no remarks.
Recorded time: 2:12:00
